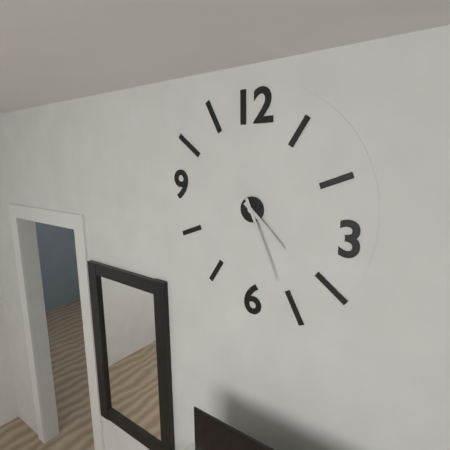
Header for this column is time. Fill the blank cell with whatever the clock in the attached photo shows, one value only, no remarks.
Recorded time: 4:26
